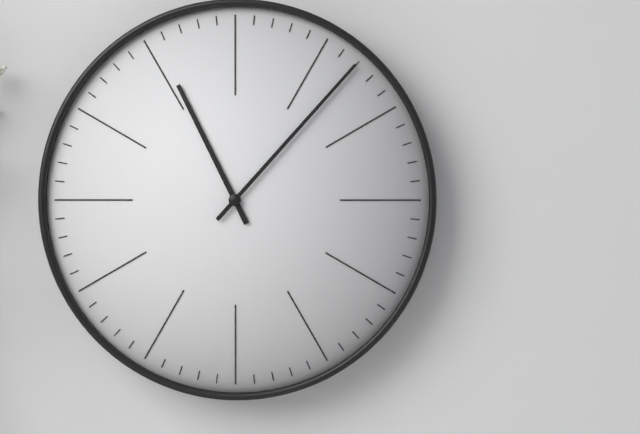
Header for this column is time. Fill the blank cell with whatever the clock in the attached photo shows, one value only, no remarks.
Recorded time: 11:07
